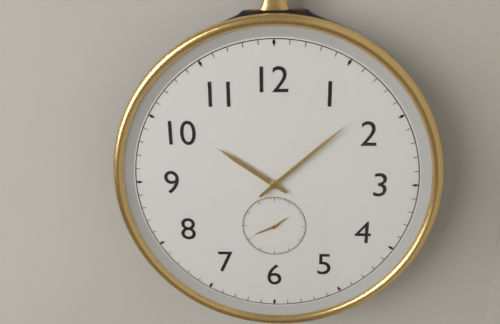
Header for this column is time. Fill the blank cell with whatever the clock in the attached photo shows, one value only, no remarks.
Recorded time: 10:08
